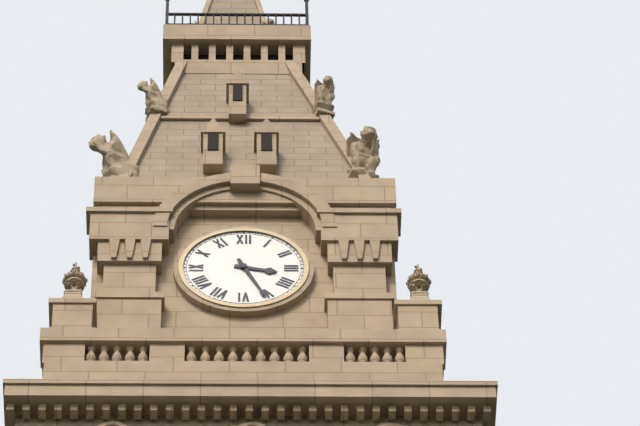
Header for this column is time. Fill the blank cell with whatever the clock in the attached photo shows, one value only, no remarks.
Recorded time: 3:26
